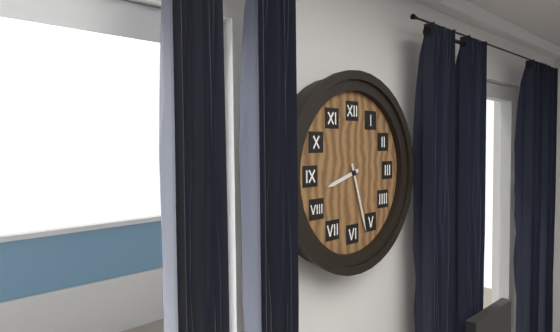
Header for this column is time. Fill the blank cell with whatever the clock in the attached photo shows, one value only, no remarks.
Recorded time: 8:27
